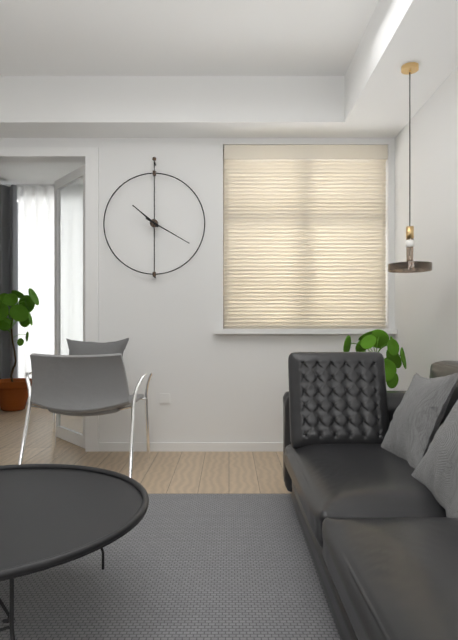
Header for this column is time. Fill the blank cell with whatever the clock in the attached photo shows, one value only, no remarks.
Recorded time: 10:20
